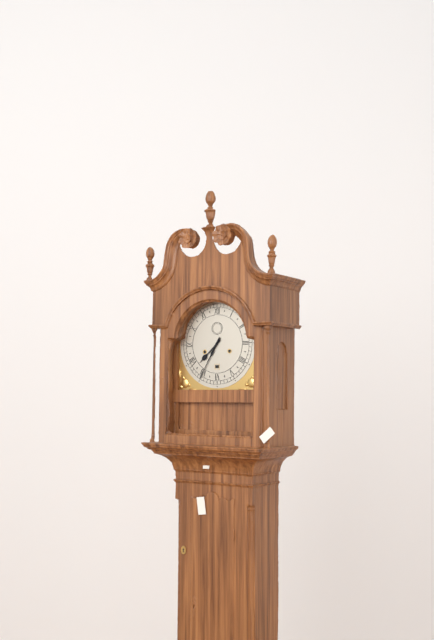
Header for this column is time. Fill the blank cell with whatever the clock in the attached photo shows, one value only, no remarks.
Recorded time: 7:35
